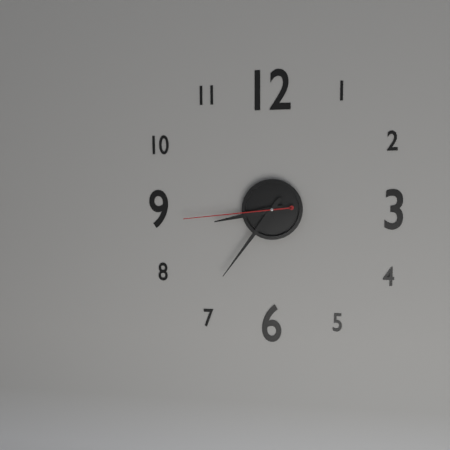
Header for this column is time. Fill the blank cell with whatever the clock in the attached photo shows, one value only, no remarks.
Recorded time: 8:36:44
